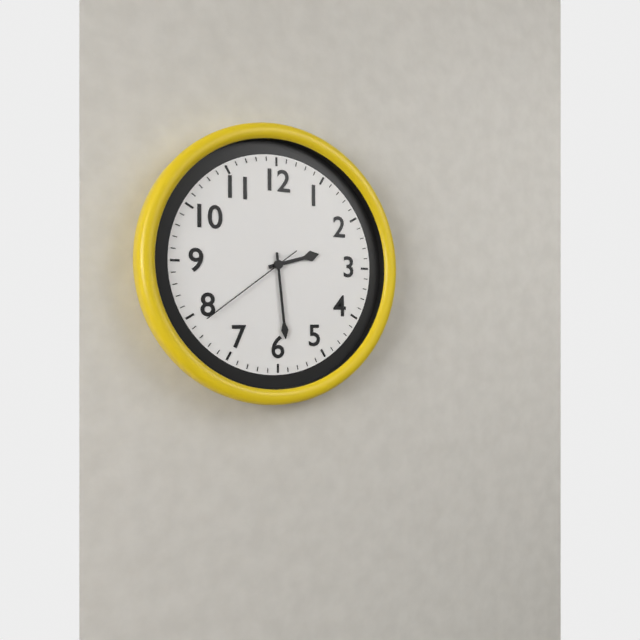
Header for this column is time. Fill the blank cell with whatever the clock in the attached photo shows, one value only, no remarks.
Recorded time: 2:29:39
